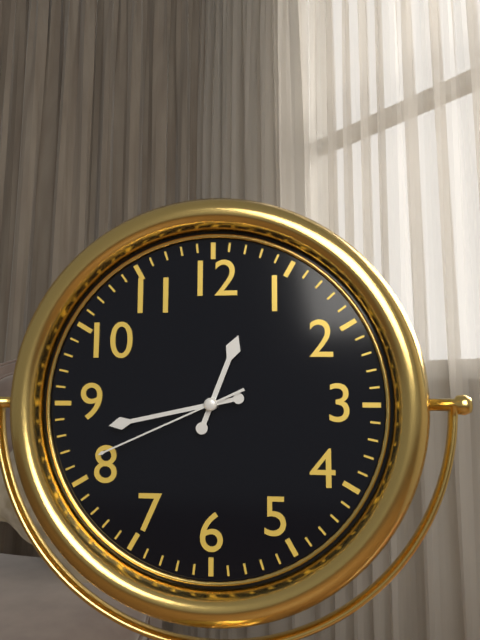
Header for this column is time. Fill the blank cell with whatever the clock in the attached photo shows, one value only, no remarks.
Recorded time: 12:43:41
